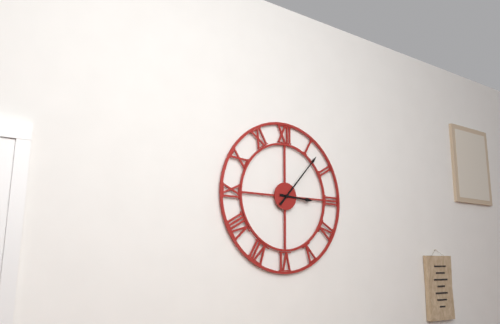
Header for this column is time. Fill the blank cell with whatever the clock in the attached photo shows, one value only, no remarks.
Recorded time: 3:07
